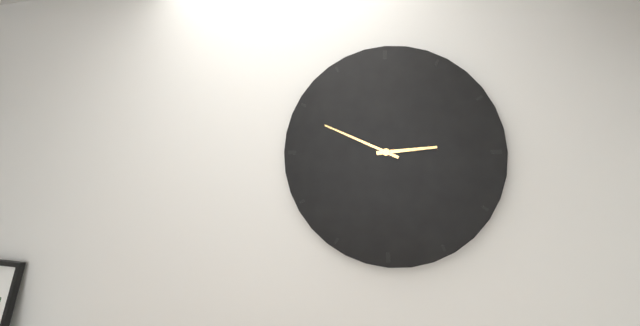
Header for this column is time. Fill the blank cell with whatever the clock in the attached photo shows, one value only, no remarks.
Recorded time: 2:49
